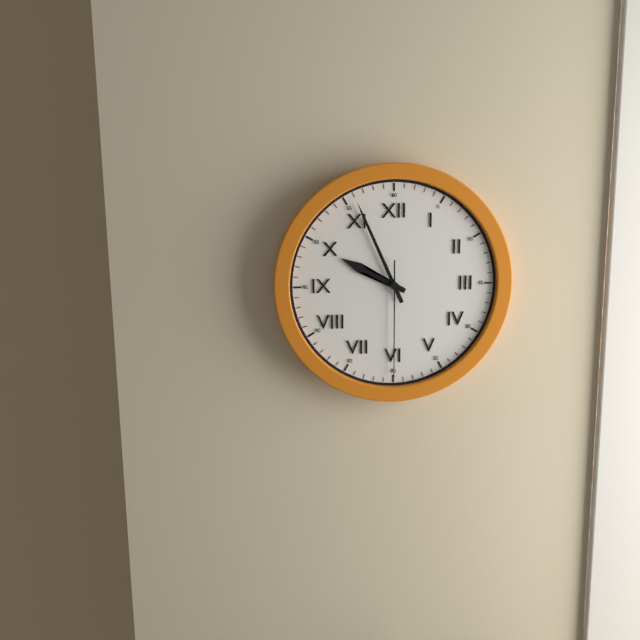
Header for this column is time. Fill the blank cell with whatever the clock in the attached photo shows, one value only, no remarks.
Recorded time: 9:56:30
